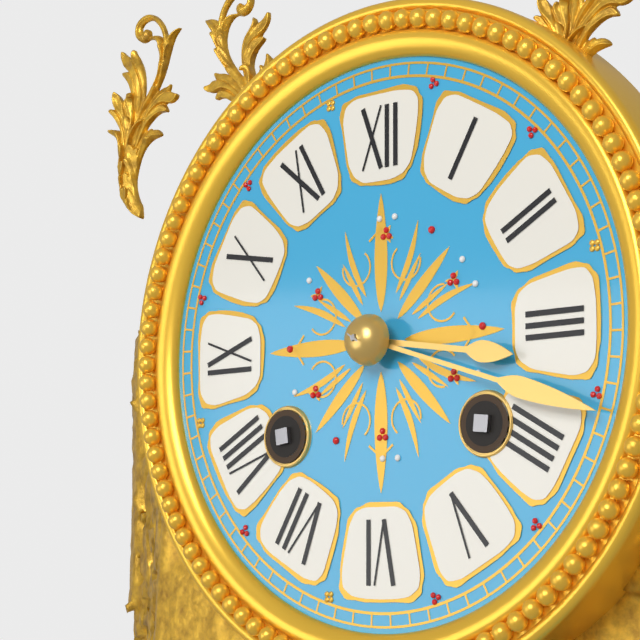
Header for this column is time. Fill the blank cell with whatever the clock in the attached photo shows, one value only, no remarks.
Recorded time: 3:18
